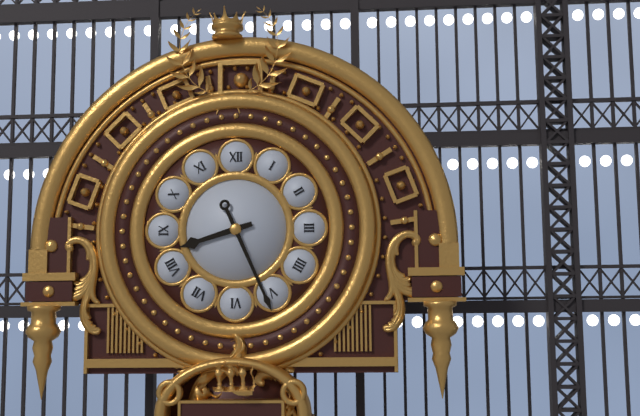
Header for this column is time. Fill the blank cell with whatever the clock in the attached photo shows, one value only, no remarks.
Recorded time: 8:26
